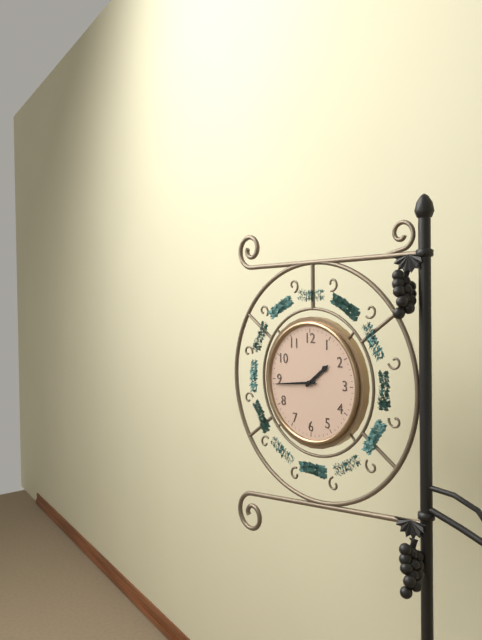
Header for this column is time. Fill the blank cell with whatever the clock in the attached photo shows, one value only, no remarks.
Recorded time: 1:44
